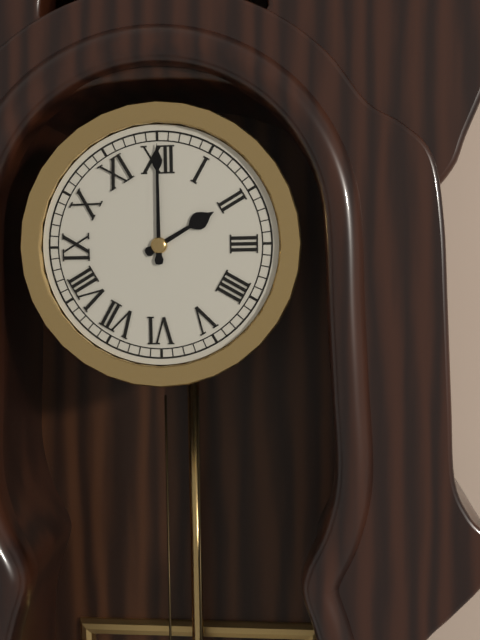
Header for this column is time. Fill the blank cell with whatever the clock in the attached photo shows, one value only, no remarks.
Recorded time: 2:00
